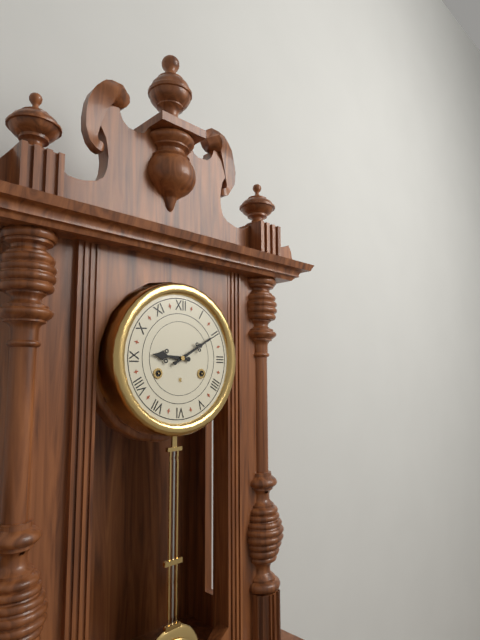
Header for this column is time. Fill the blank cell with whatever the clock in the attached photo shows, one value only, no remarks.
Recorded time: 9:10
